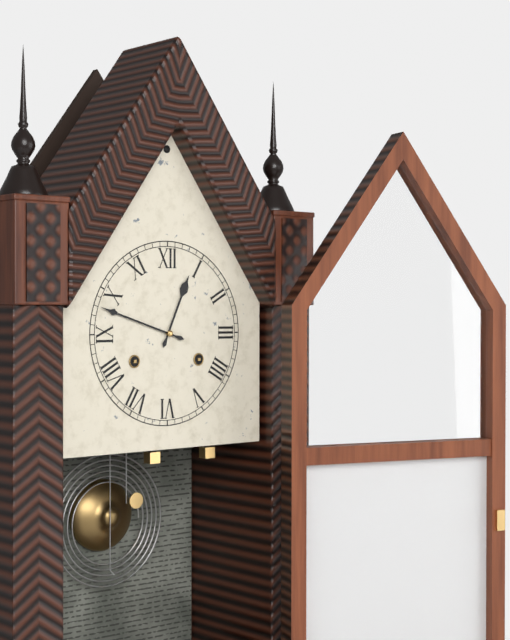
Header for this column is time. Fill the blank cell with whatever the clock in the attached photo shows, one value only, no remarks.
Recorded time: 12:48
